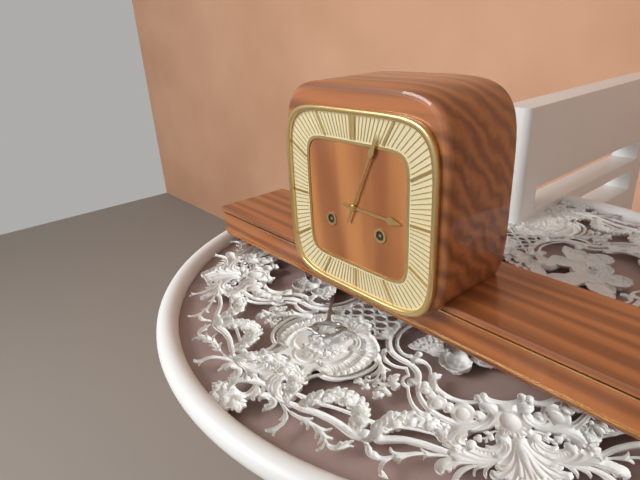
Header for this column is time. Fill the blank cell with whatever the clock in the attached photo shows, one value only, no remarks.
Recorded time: 3:04
